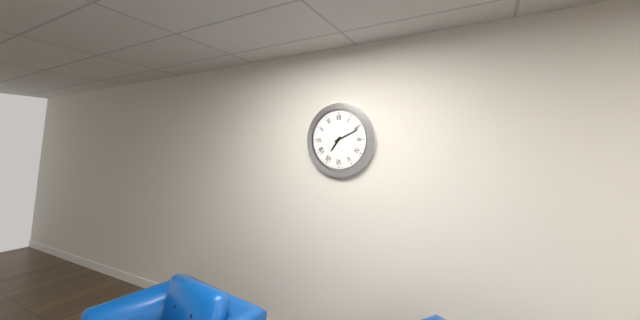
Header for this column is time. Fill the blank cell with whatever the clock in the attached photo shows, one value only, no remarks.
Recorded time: 7:11
